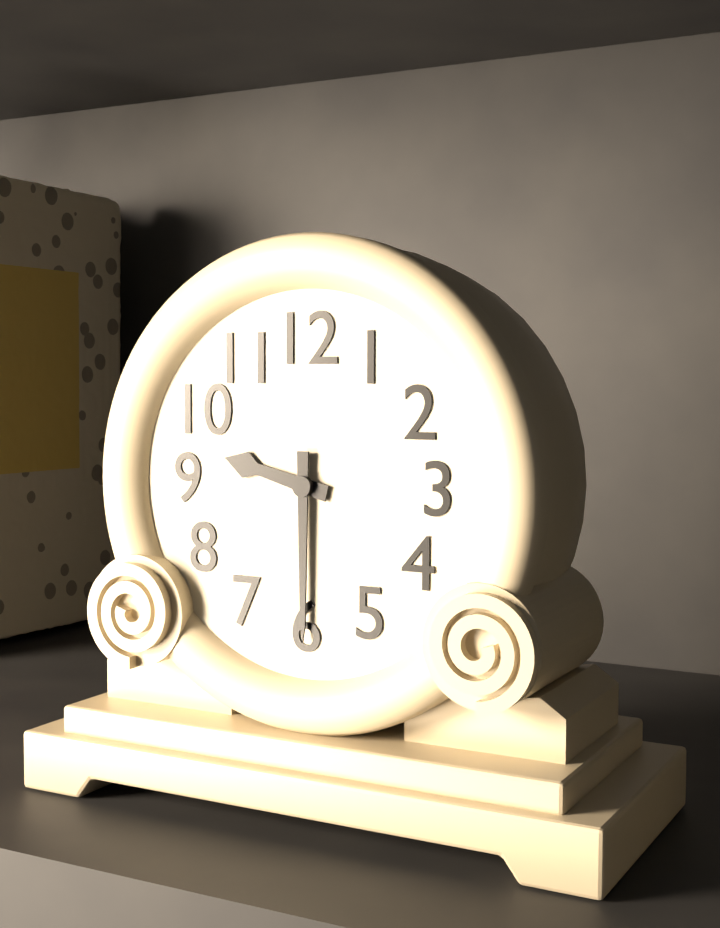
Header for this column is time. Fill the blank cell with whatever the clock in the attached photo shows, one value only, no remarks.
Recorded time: 9:30
